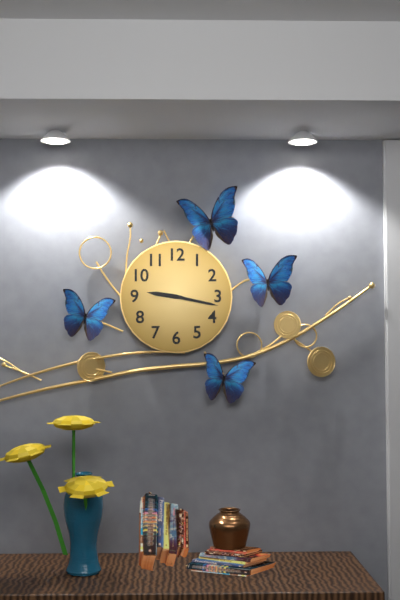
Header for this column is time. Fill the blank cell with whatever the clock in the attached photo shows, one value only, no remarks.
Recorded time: 9:17
